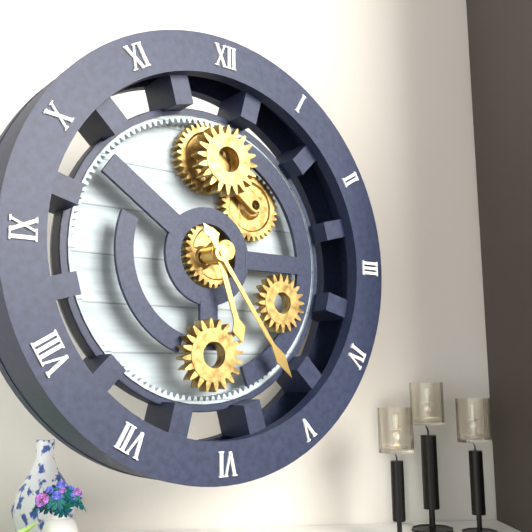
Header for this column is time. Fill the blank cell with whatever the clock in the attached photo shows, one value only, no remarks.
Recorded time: 5:24
